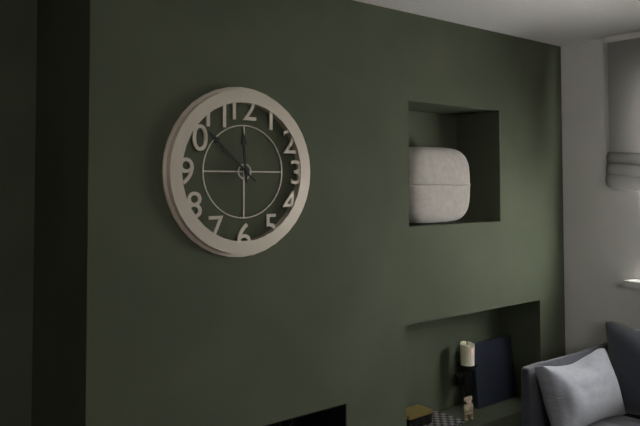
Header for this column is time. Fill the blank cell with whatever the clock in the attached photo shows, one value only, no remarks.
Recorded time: 11:52
